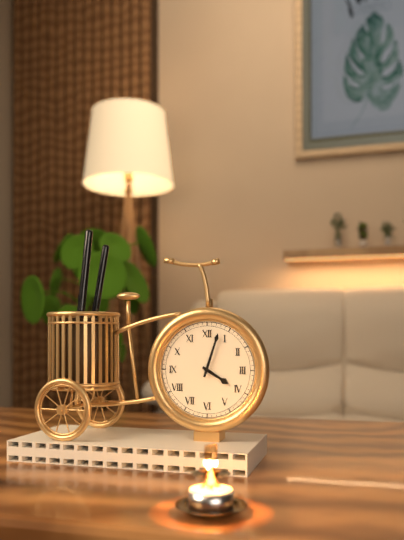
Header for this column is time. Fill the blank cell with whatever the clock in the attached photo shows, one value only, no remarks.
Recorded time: 4:03
